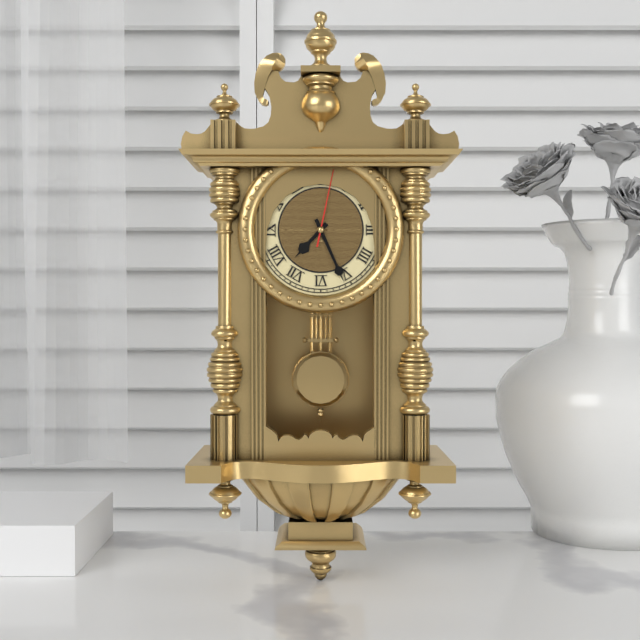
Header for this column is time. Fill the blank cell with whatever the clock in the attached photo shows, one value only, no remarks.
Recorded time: 7:26:02
